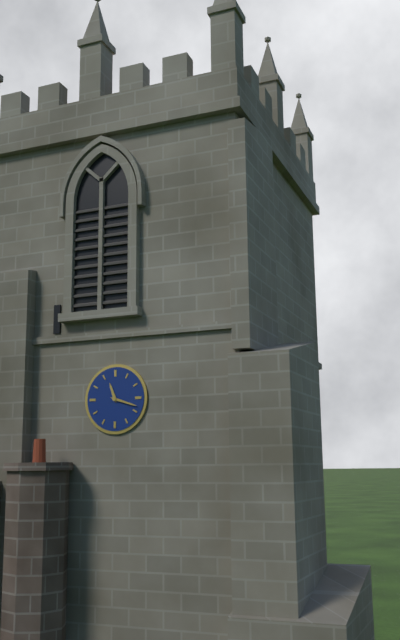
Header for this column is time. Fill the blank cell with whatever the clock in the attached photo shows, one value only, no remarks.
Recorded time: 11:18
